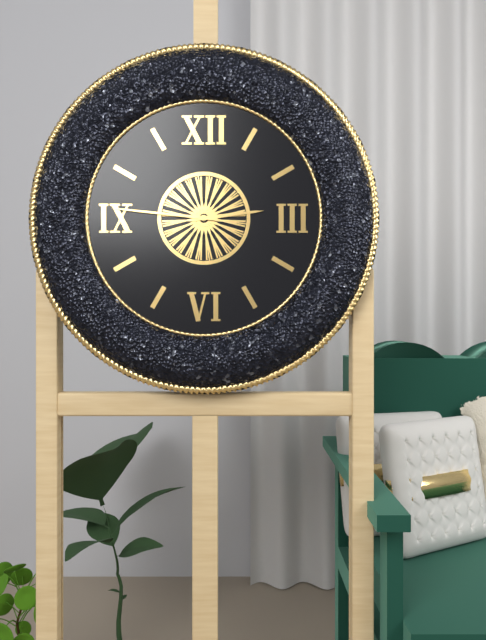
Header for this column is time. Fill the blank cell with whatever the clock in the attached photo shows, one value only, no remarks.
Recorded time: 2:46
